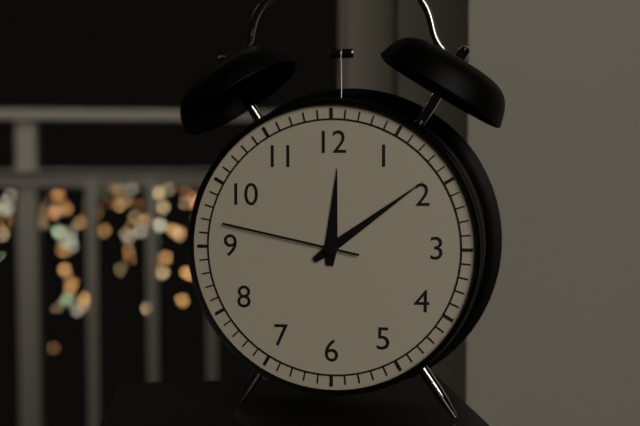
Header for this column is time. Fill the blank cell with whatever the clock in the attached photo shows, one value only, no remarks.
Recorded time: 12:09:47
